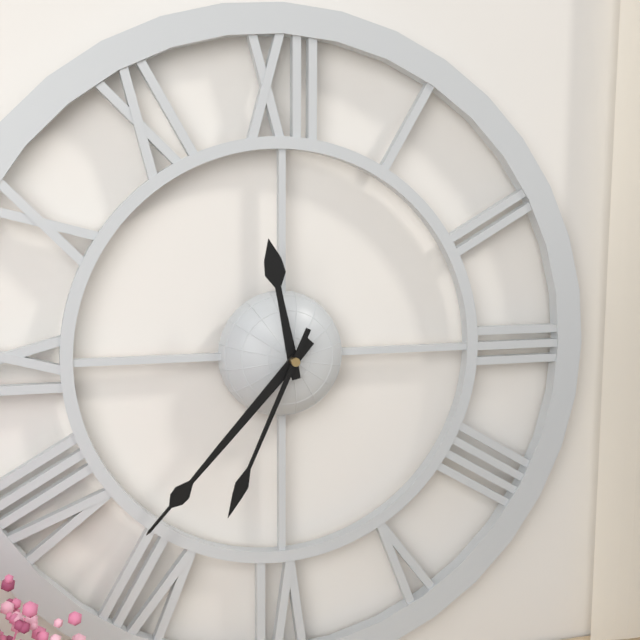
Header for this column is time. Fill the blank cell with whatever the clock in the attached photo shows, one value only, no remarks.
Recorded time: 11:37:34
